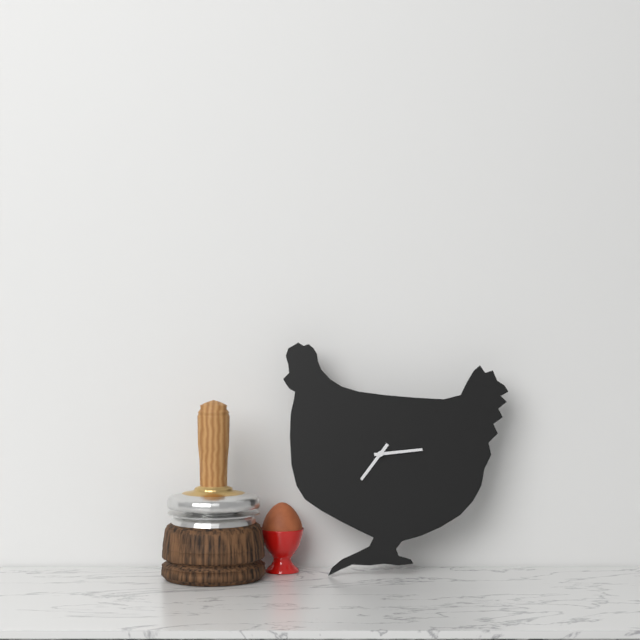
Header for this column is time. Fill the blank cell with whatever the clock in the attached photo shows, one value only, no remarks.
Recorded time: 7:14
